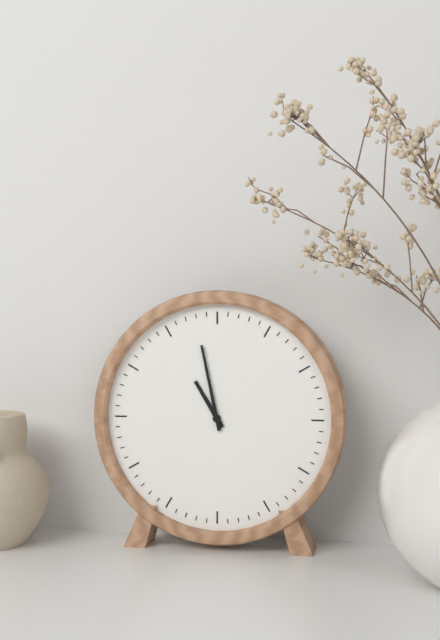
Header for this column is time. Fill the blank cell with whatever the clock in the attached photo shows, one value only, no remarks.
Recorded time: 10:58
